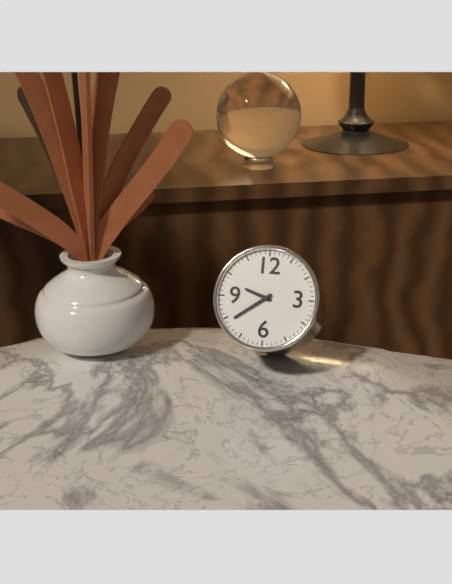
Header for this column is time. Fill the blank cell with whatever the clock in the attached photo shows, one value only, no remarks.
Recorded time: 9:39
